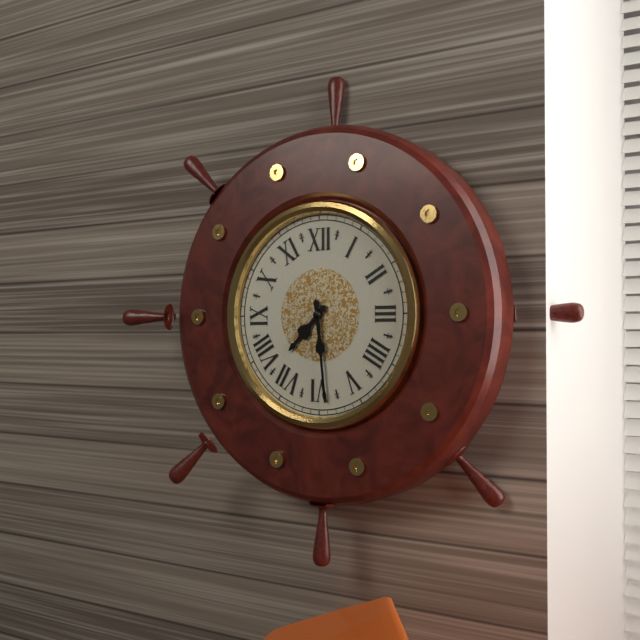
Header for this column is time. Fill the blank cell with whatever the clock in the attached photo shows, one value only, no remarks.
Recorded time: 7:29
